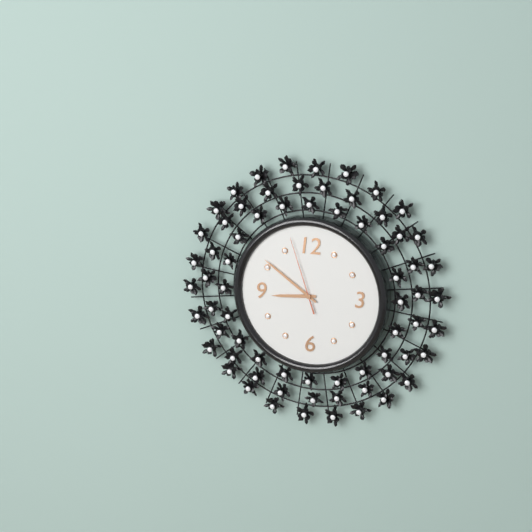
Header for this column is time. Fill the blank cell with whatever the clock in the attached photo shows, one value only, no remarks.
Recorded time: 8:51:57
